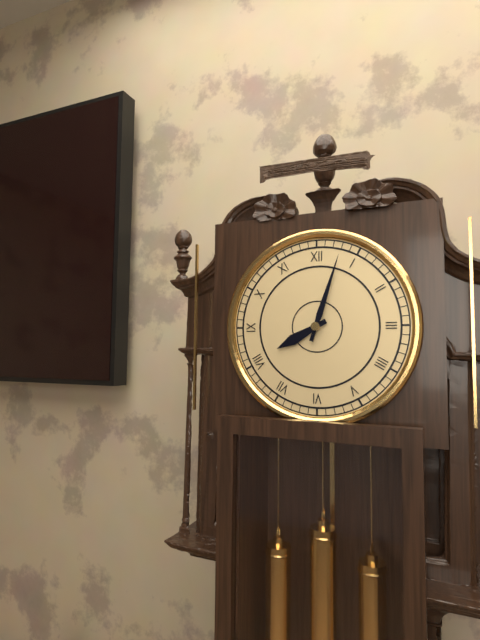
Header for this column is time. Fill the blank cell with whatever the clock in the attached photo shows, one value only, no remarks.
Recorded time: 8:03
